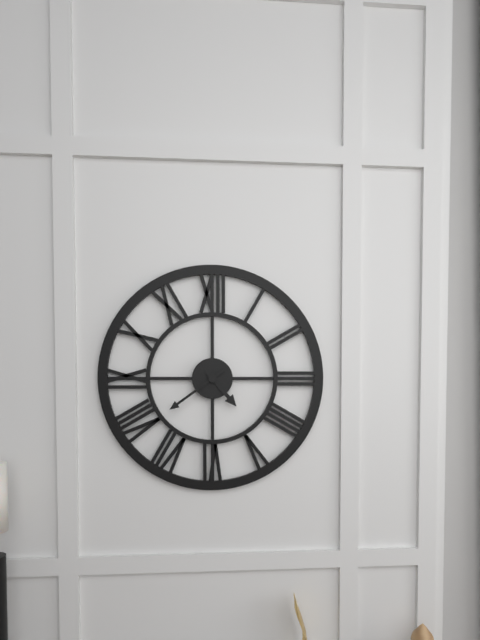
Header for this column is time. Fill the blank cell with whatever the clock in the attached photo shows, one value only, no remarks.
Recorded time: 4:39
